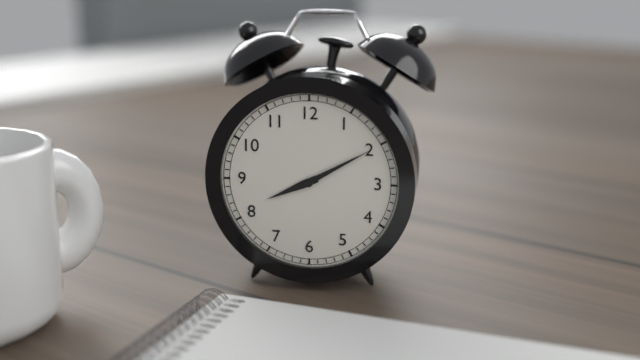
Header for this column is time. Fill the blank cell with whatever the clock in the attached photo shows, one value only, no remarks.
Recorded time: 8:10
